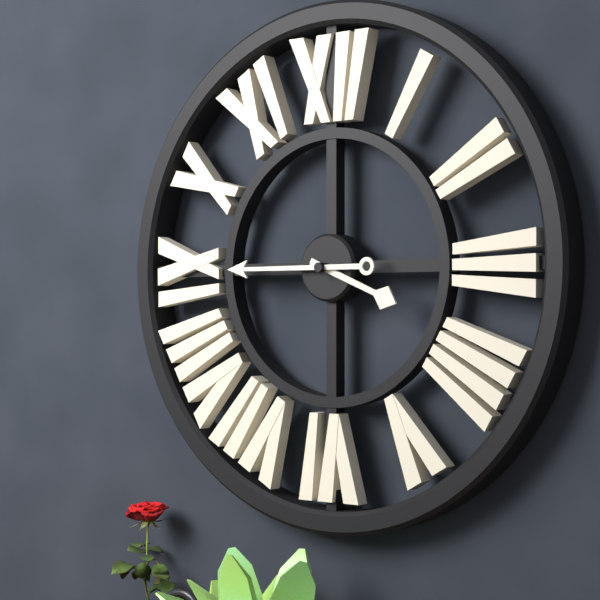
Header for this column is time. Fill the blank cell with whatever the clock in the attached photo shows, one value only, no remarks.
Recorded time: 3:45
